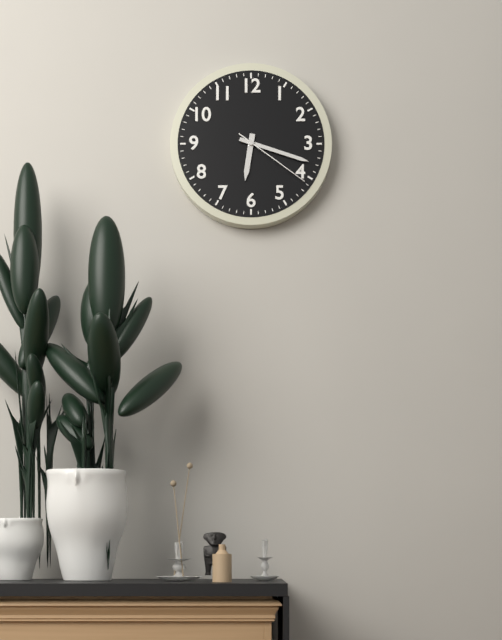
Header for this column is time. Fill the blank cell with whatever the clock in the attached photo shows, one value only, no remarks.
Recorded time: 6:18:21
